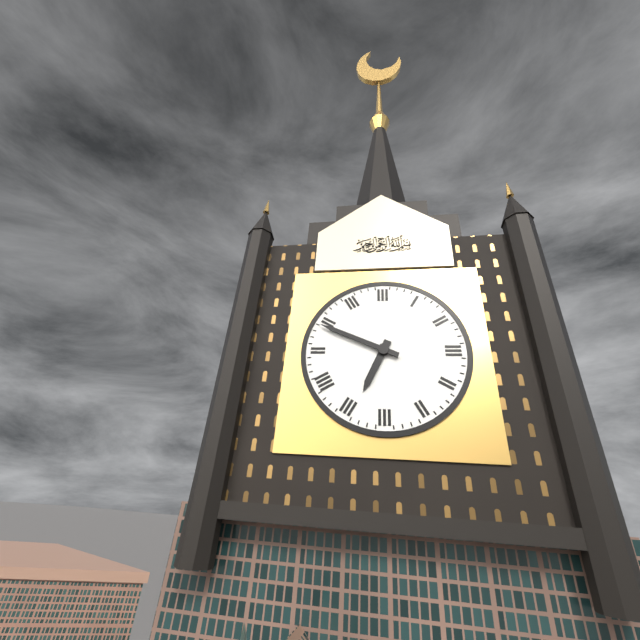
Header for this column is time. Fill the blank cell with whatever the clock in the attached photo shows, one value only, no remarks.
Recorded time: 6:49
